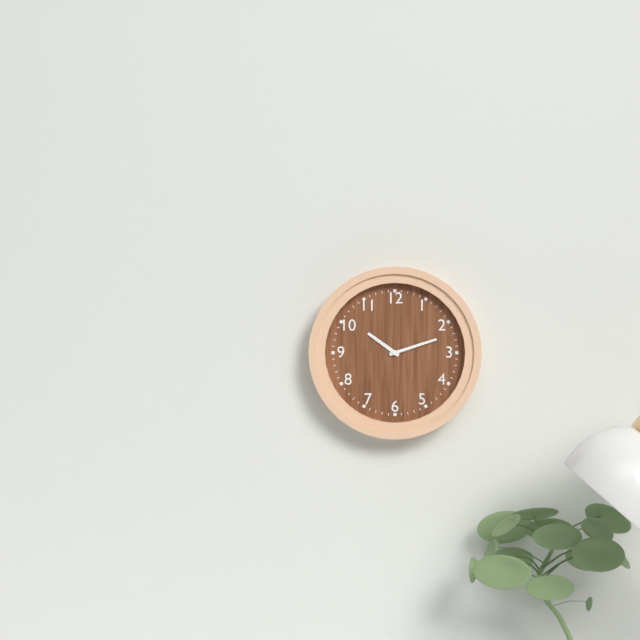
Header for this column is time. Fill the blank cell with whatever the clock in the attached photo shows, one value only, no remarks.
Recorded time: 10:12
